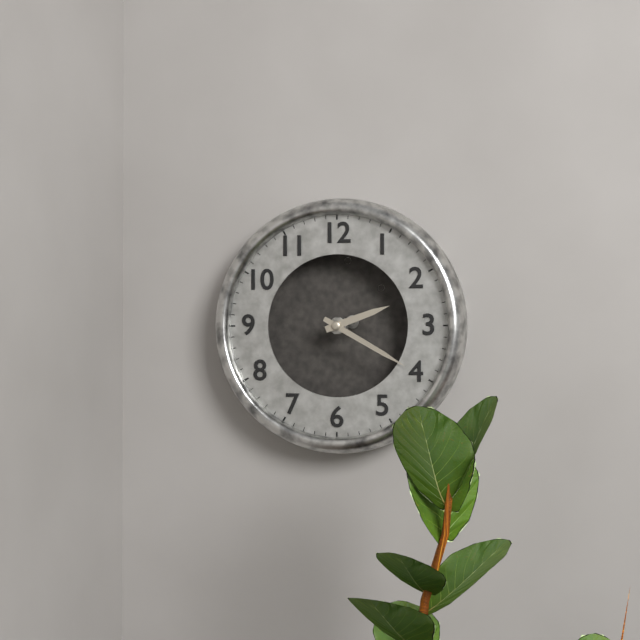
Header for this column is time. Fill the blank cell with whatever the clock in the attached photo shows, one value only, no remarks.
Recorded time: 2:20
